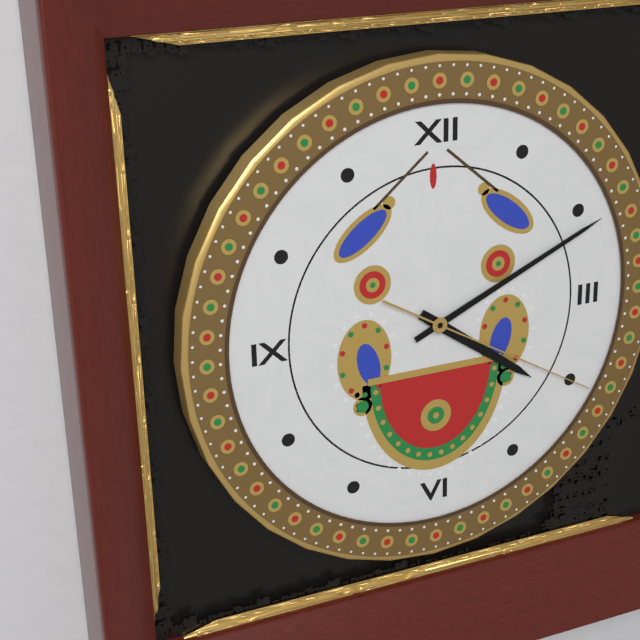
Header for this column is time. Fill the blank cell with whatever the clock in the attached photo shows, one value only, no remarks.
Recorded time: 4:11:20
